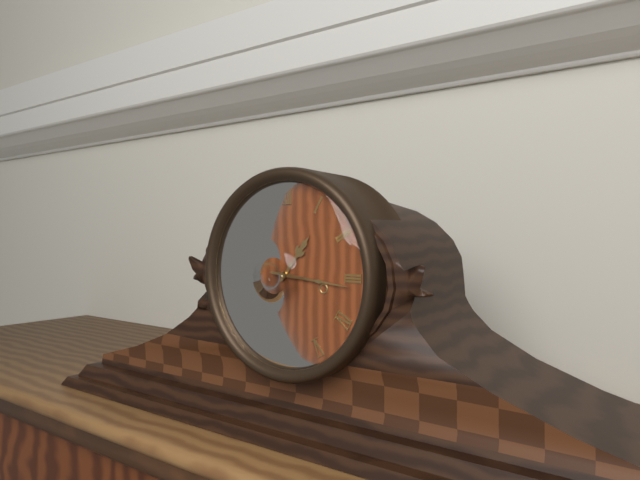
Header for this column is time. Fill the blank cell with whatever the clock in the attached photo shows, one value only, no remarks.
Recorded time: 1:16
